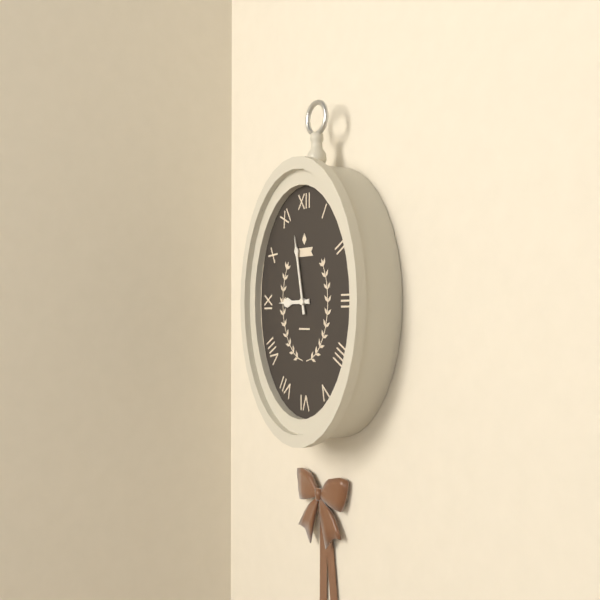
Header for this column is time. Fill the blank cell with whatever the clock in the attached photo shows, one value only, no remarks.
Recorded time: 8:58
